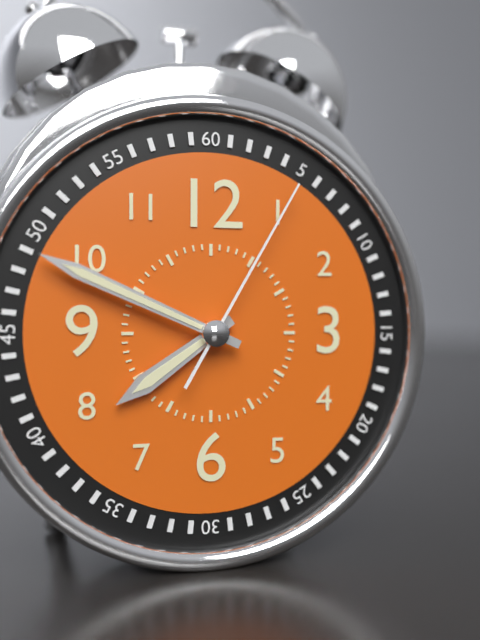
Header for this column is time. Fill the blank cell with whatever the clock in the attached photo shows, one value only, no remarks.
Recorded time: 7:49:05
